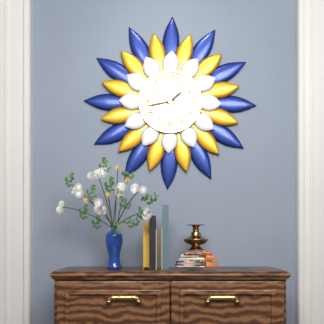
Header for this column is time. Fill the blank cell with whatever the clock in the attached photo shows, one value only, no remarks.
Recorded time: 1:43
